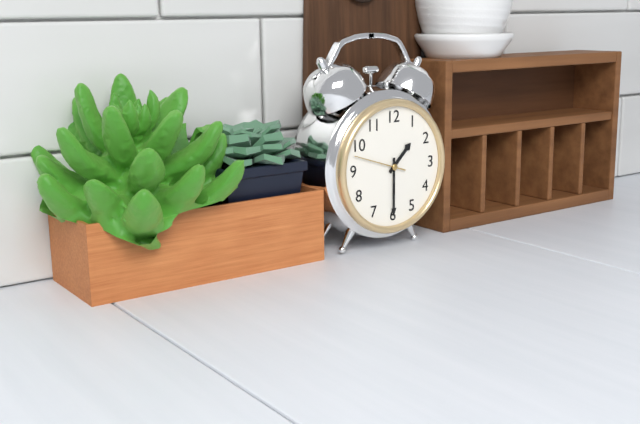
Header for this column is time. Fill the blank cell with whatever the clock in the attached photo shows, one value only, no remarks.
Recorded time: 1:30:48
